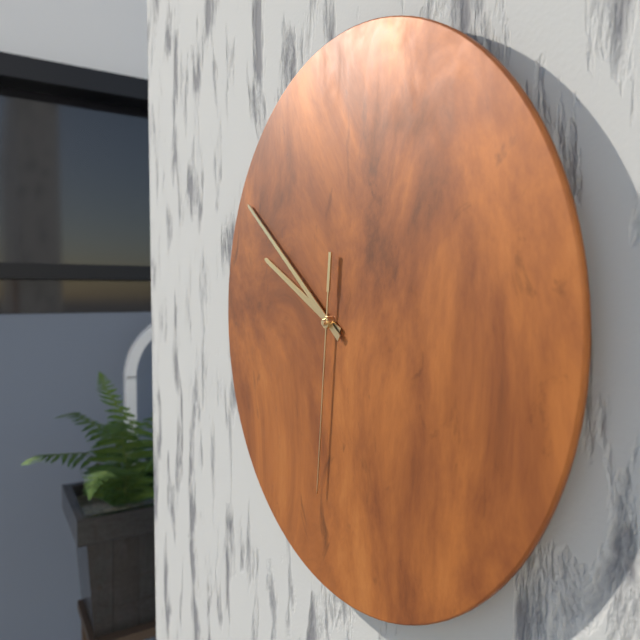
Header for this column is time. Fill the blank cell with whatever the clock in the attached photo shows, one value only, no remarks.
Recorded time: 9:51:31
